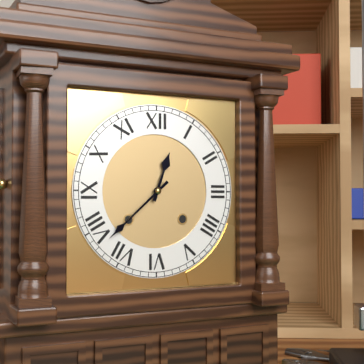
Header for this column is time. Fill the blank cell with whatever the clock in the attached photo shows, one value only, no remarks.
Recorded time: 12:38
